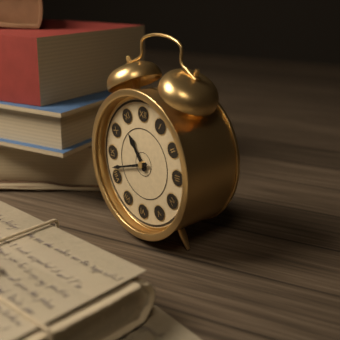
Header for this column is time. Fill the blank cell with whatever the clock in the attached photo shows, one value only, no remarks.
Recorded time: 10:42
